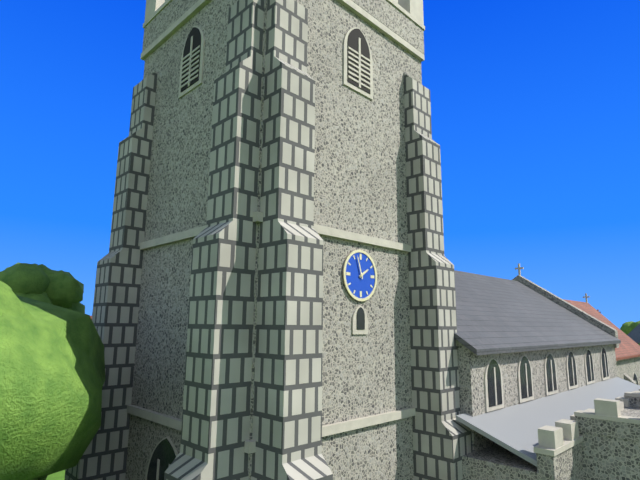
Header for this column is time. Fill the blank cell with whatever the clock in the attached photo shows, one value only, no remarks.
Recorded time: 1:57
